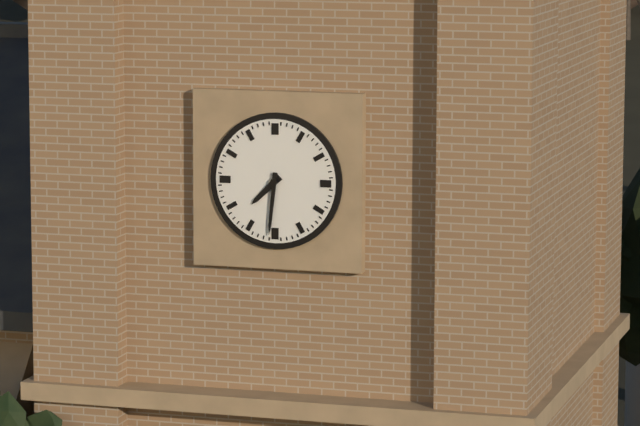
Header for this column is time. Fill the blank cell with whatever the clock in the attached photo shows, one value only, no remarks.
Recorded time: 7:31
